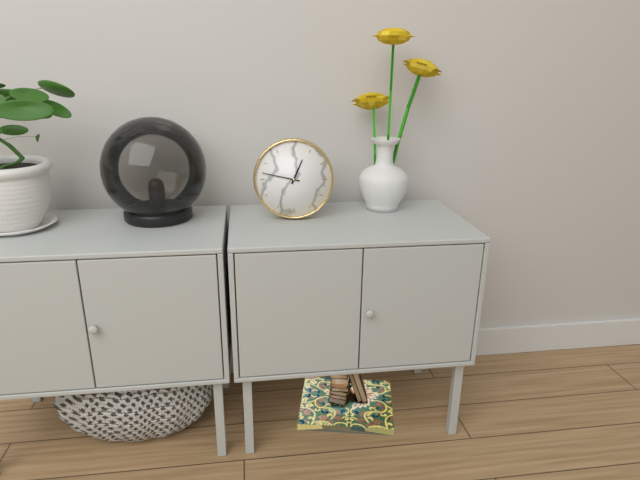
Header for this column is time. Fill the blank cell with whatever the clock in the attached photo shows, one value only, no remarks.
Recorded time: 12:47
